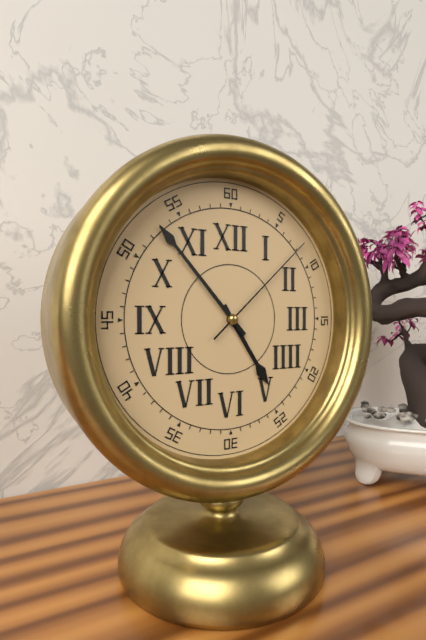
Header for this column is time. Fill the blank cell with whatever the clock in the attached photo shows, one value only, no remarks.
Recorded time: 4:53:08
